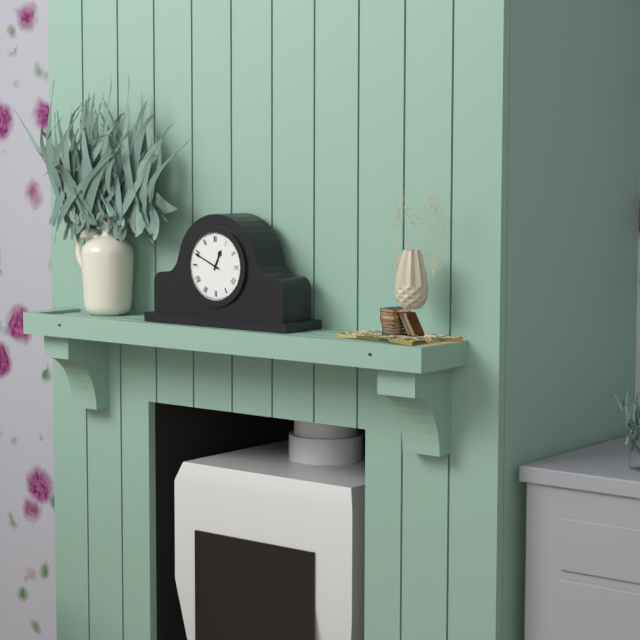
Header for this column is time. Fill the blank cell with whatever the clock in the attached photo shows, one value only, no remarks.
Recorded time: 12:49
